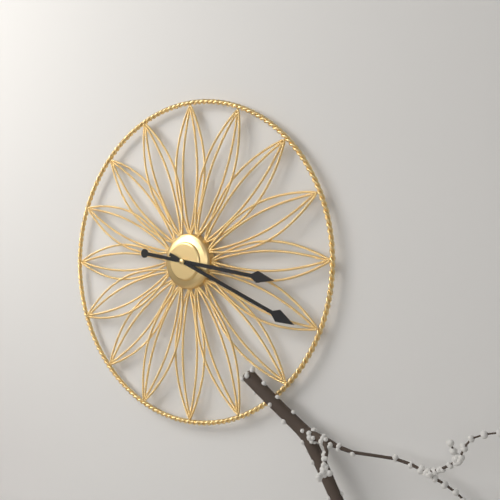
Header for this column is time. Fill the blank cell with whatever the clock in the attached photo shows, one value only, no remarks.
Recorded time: 3:19
